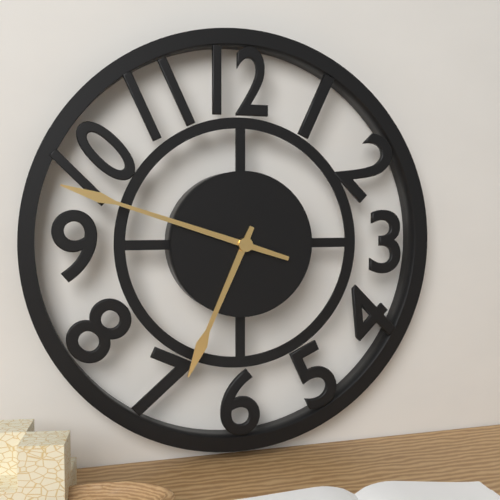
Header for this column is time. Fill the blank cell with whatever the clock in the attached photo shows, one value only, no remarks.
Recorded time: 6:48
